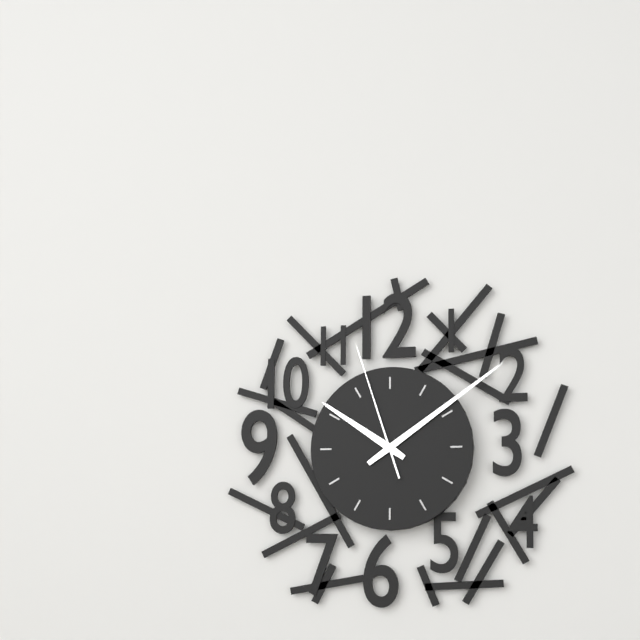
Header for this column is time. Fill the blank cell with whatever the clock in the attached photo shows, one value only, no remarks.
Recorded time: 10:09:57
